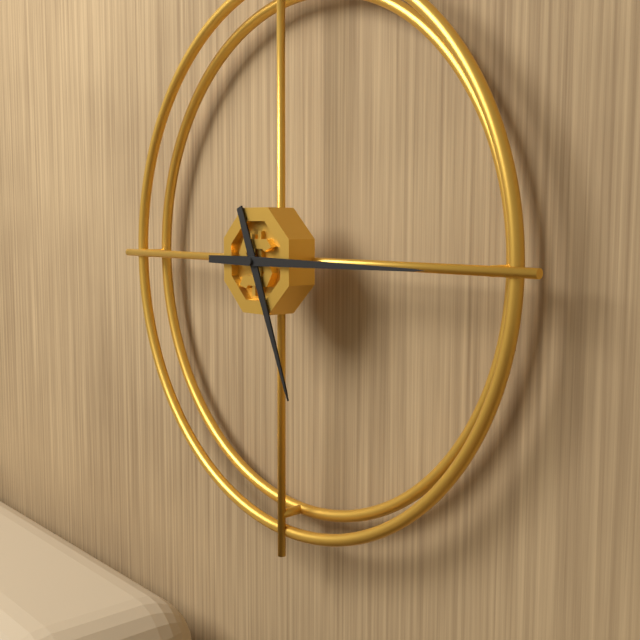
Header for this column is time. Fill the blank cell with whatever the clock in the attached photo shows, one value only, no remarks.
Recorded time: 5:15
